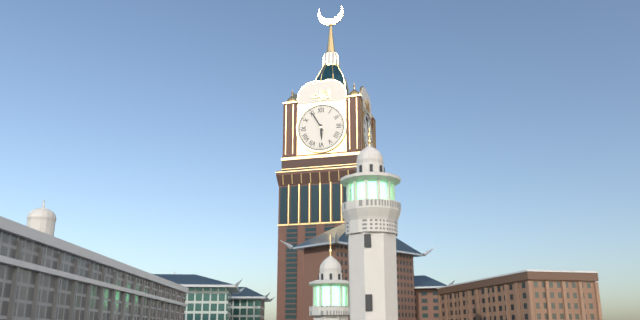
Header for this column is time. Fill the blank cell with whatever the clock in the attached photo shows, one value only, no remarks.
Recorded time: 5:55
